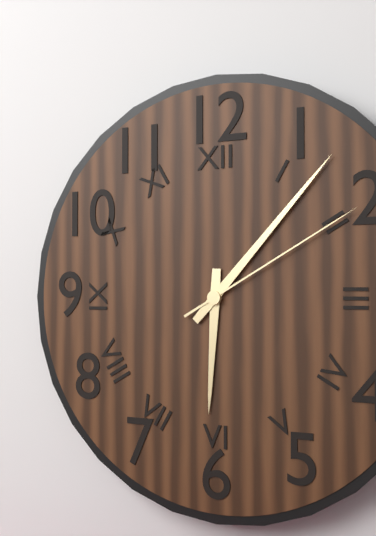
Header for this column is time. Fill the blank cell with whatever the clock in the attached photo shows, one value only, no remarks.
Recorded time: 6:07:10
